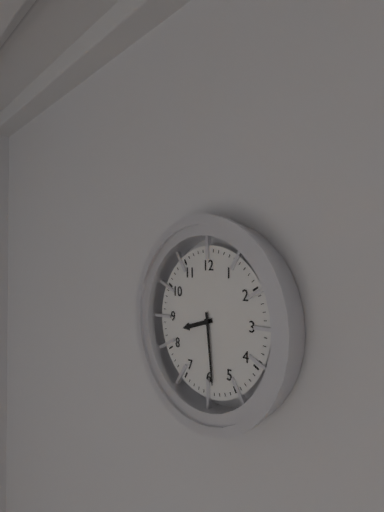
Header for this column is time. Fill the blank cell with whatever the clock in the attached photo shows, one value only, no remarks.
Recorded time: 8:29
